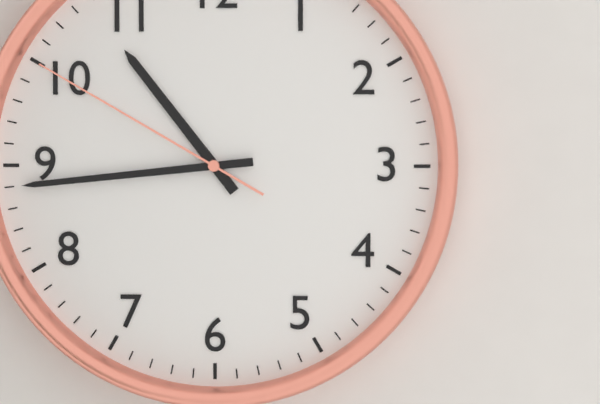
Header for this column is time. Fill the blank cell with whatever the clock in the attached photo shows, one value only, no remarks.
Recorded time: 10:44:50
